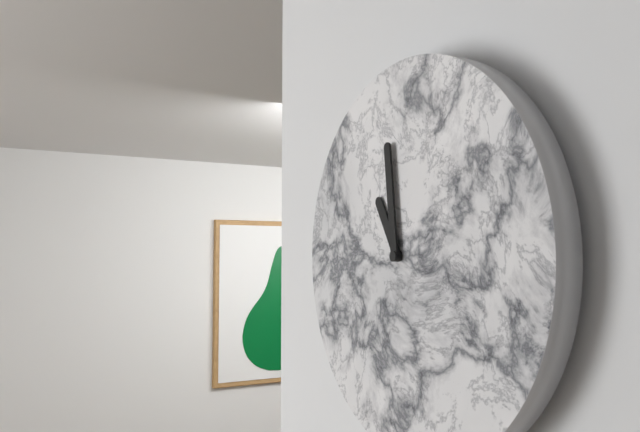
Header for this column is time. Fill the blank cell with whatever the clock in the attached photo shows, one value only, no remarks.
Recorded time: 10:59
